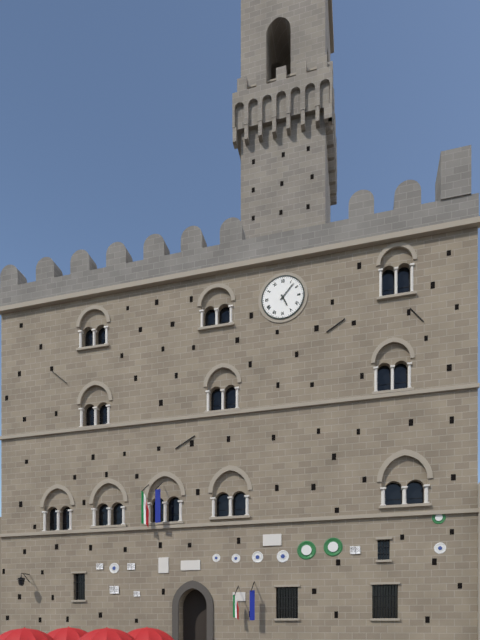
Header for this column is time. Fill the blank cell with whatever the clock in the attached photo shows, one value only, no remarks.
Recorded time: 5:07
